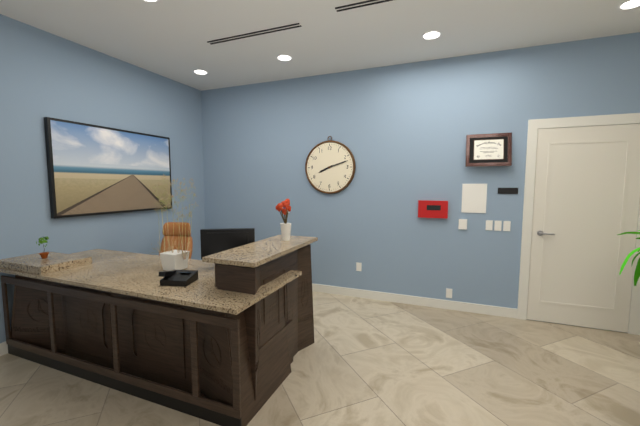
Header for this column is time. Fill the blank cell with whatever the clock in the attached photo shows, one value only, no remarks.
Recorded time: 8:12
